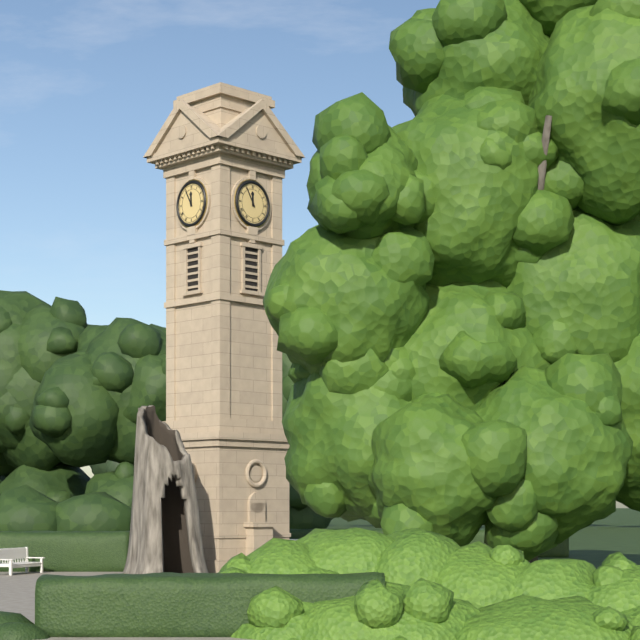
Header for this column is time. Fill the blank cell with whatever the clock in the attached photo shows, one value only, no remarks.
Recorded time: 11:55
